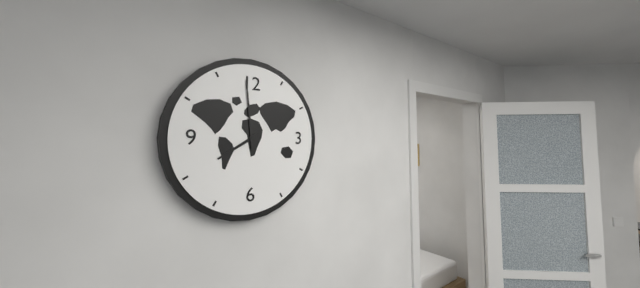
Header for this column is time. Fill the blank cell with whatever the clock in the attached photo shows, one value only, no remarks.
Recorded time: 7:59
